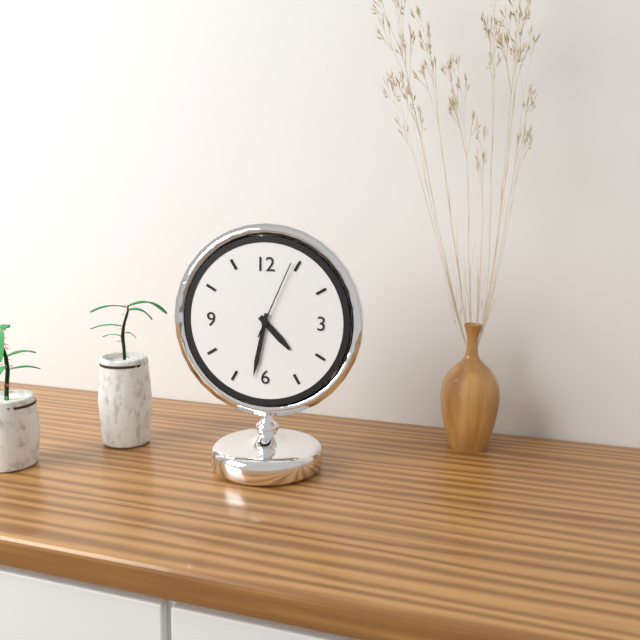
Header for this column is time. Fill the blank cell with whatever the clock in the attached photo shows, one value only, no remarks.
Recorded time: 4:32:04
